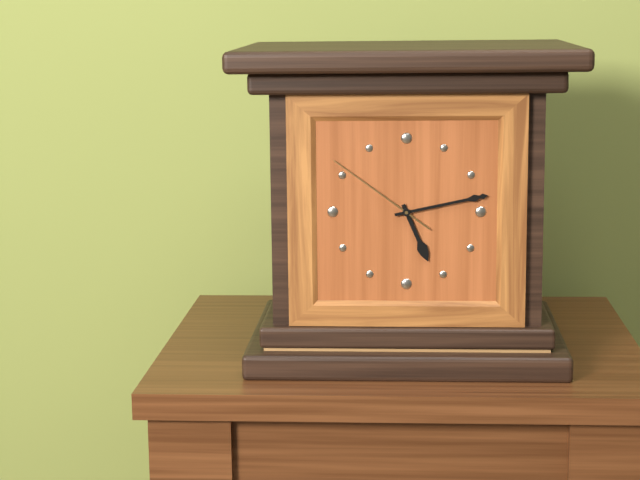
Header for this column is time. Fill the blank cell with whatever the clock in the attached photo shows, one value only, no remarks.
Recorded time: 5:13:51
